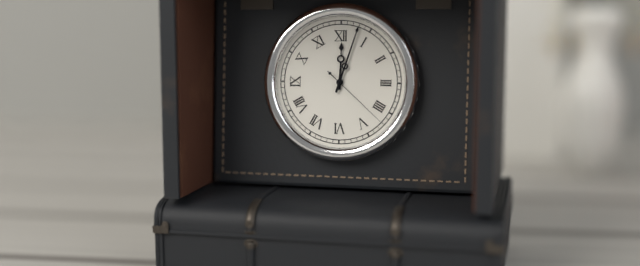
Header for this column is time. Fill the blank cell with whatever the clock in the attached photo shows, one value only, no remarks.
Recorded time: 12:03:22
